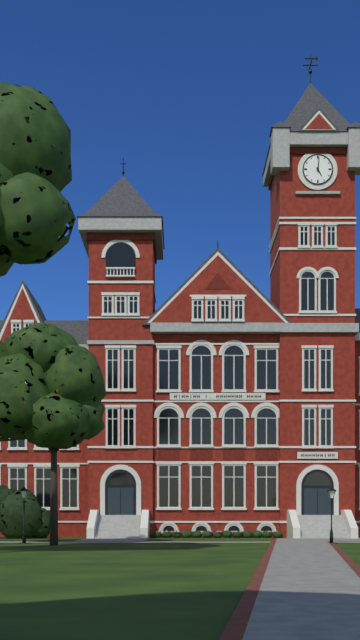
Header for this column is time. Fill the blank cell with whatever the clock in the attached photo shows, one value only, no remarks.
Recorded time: 5:01
